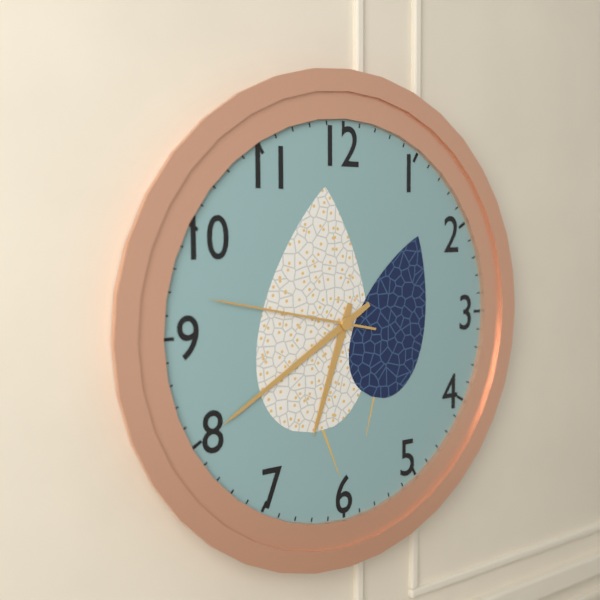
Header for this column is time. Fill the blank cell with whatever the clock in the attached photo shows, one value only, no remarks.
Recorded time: 6:40:47
